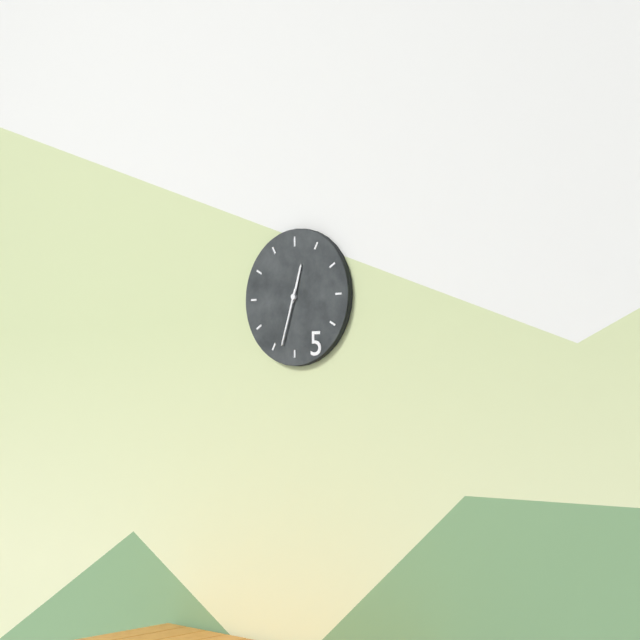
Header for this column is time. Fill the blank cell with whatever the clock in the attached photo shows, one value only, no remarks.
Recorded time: 12:33
